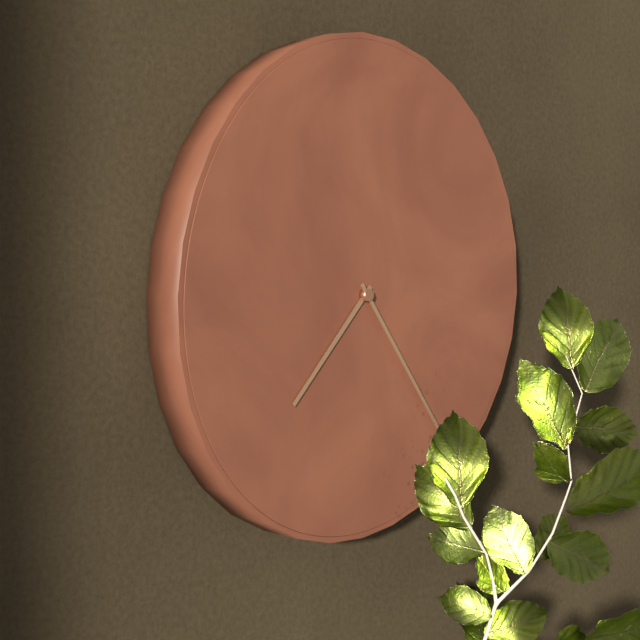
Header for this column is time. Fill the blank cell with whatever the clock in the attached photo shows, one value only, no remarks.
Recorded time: 7:24
